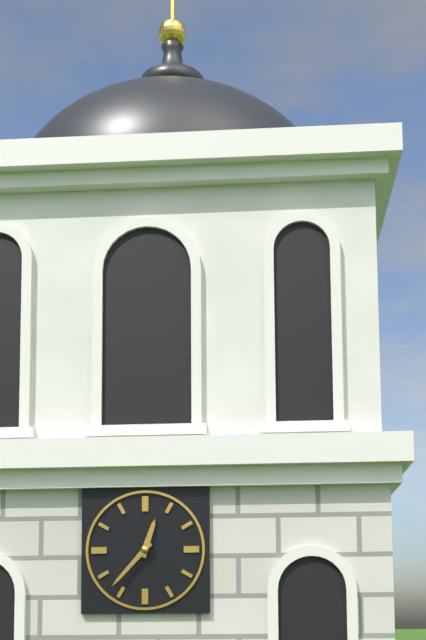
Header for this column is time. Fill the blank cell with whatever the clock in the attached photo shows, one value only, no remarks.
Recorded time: 12:37
